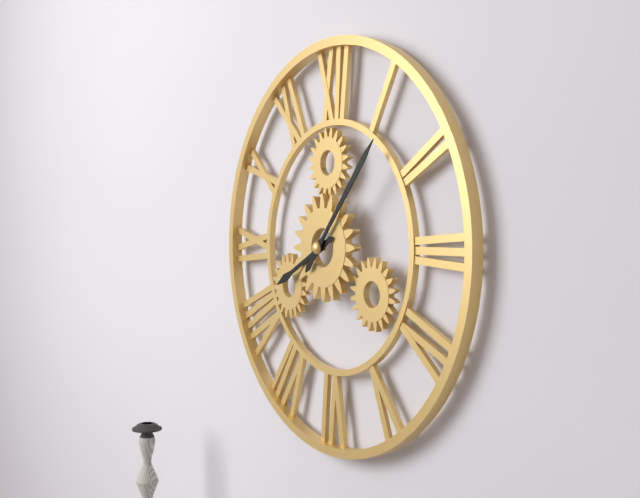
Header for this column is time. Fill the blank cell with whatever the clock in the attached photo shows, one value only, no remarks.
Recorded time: 8:07
